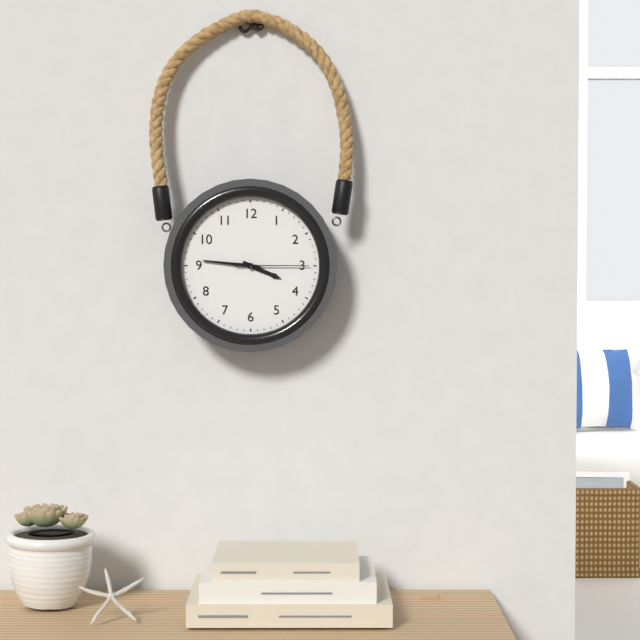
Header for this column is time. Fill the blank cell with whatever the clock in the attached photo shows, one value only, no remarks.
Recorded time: 3:46:15
